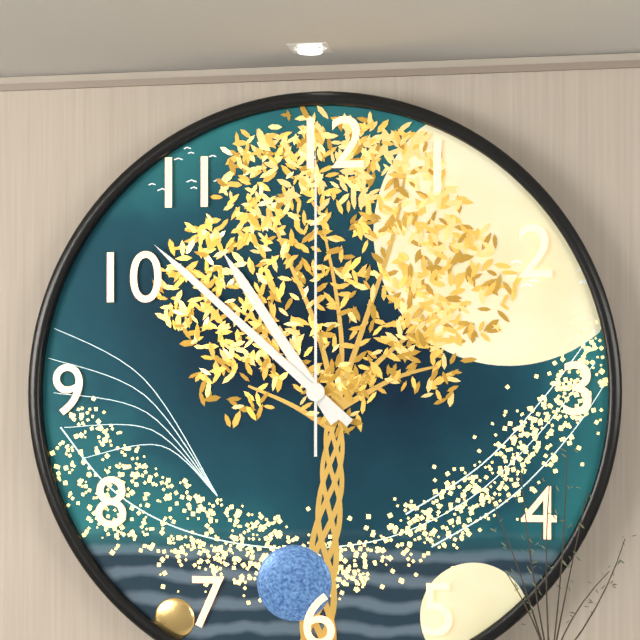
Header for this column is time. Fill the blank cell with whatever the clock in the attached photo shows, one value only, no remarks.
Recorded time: 10:52:00
